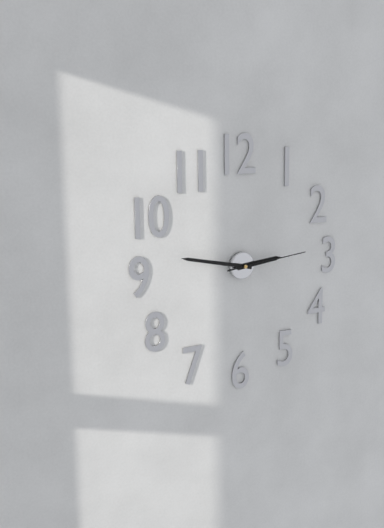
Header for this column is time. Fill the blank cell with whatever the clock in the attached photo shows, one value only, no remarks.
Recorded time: 2:47:14
